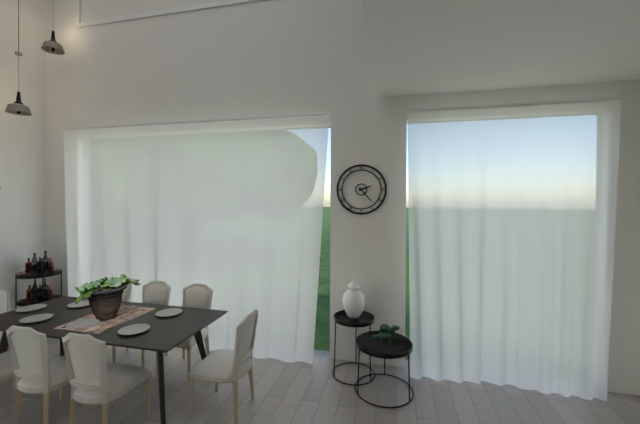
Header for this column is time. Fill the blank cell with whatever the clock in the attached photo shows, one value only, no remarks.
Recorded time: 2:23
